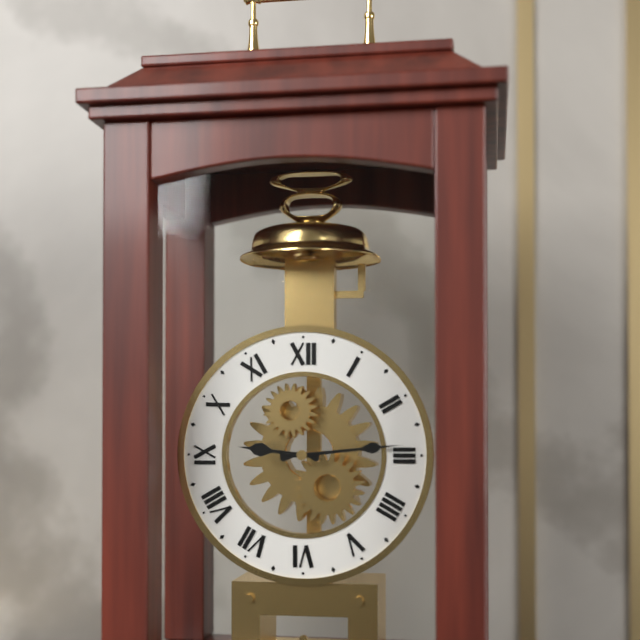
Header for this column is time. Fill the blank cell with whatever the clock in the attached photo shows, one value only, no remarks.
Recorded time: 9:14
